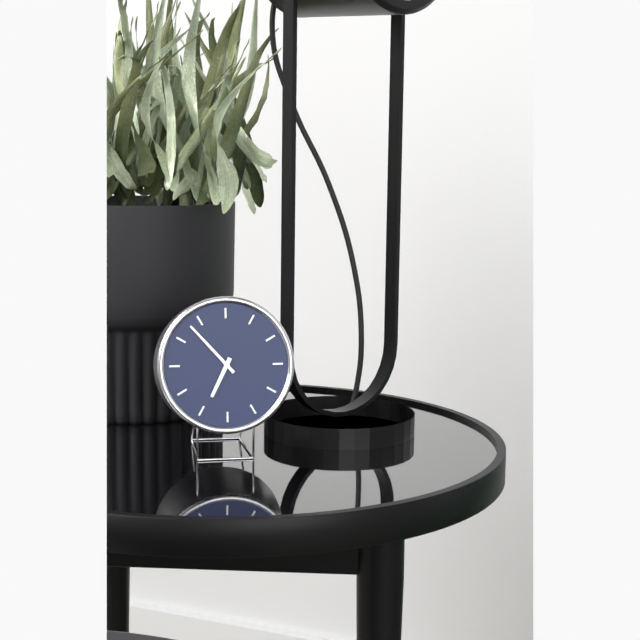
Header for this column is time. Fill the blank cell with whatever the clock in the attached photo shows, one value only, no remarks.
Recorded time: 6:53
